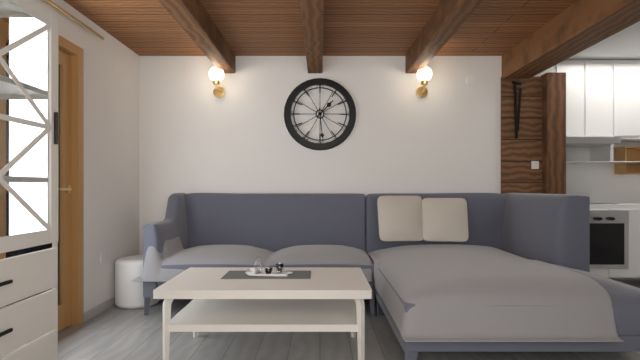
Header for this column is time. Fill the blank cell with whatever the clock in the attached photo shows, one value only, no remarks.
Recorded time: 1:29
